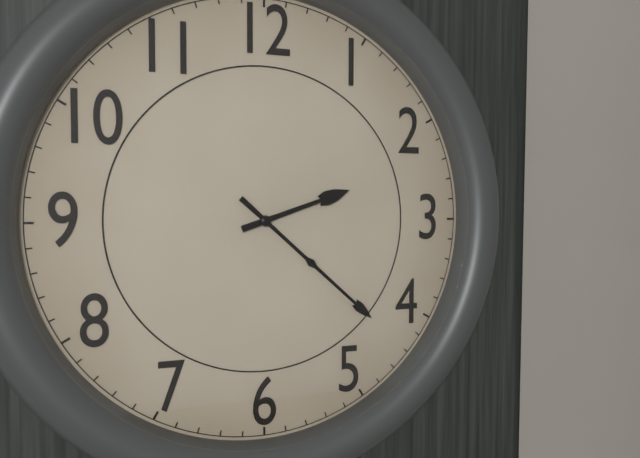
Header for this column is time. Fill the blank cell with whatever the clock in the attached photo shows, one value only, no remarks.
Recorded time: 2:22
